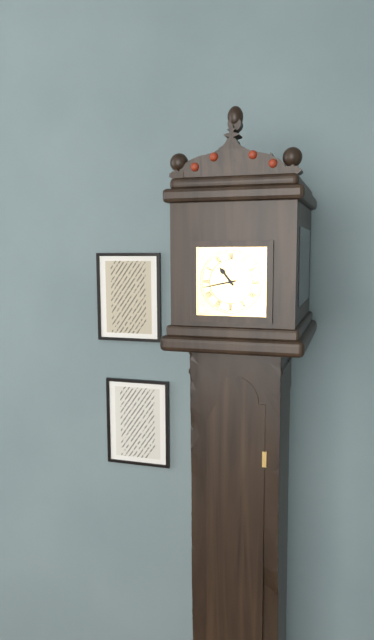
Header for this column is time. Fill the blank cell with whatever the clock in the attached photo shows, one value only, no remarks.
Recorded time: 10:43
